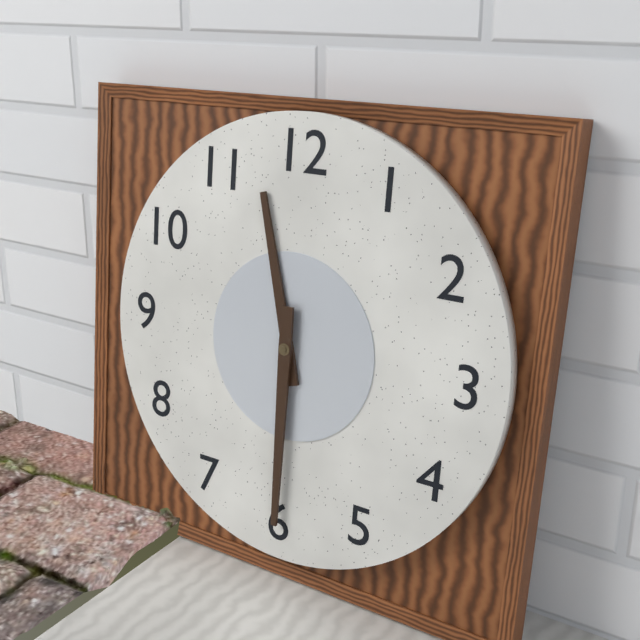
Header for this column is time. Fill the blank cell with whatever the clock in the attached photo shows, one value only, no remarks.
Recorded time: 11:30
